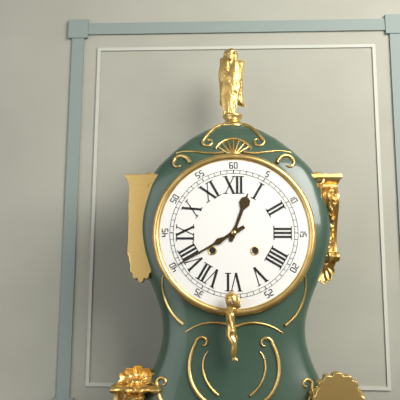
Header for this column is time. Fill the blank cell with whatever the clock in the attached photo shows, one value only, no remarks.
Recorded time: 12:40
